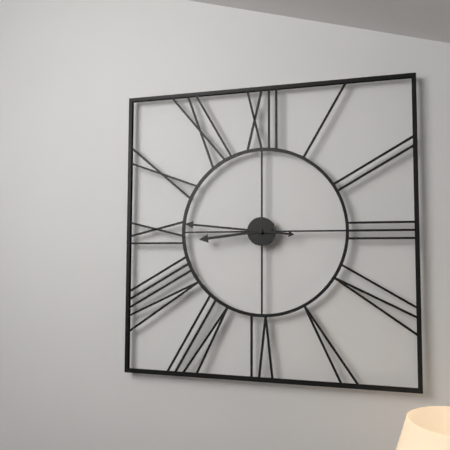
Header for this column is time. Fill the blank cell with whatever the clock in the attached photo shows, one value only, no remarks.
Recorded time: 8:46
